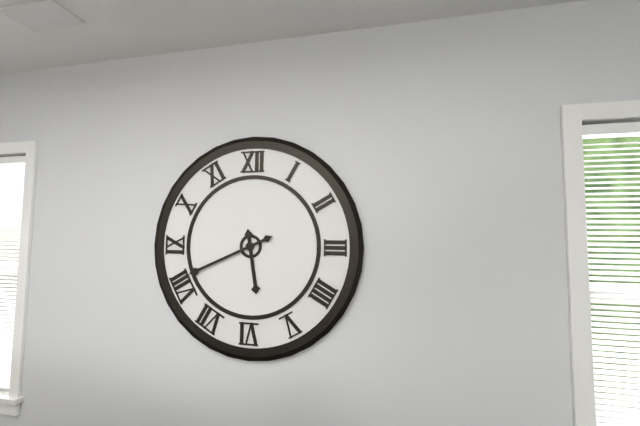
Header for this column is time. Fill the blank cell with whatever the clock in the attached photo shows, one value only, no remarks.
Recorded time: 5:41
